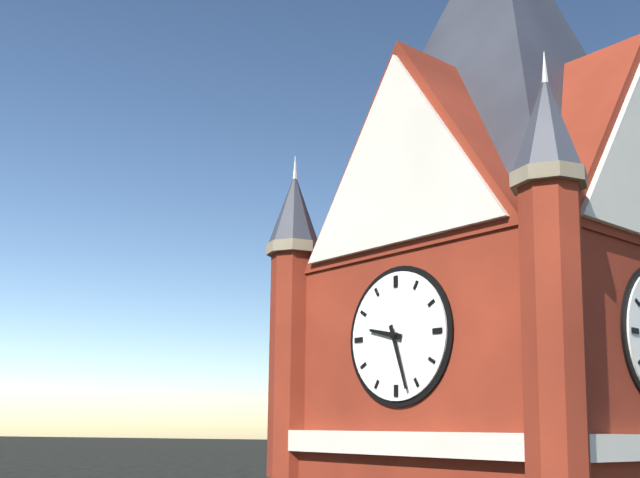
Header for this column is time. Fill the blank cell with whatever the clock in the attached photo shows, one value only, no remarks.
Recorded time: 9:27
